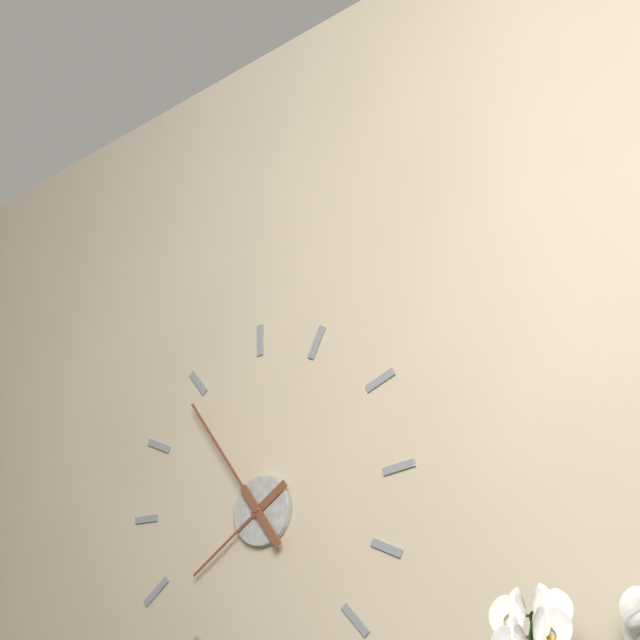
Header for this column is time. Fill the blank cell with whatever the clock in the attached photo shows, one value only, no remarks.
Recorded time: 7:54
